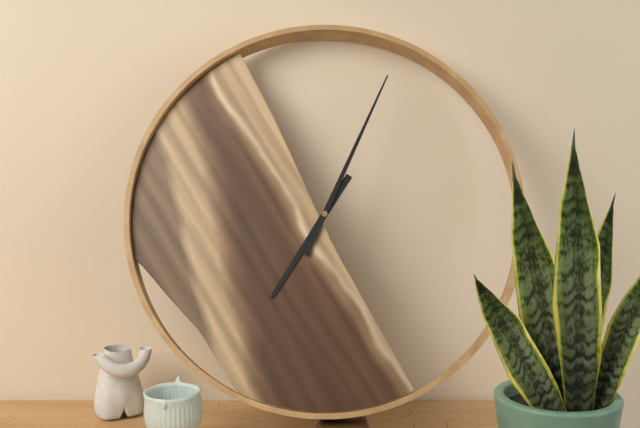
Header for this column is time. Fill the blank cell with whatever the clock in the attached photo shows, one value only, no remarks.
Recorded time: 7:04
